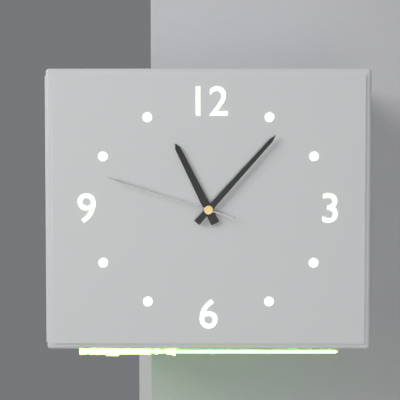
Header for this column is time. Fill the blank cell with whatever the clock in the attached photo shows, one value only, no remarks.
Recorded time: 11:07:48
